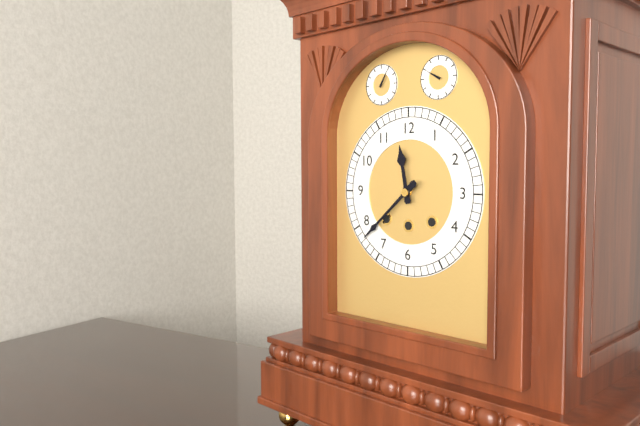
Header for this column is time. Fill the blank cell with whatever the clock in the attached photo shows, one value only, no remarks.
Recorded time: 11:38
